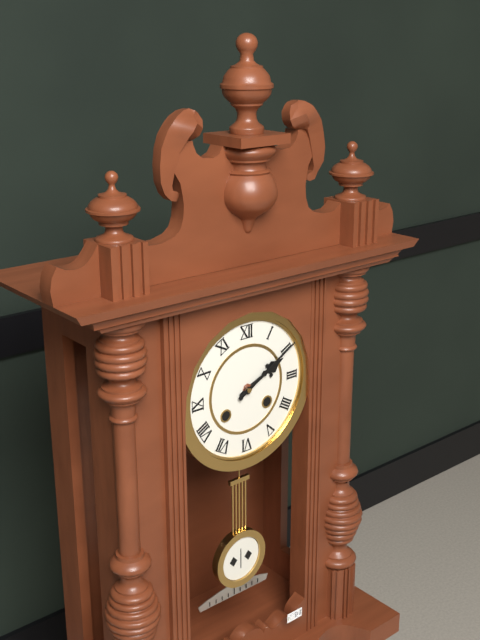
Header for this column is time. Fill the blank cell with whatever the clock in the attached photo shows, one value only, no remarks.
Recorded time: 2:10
